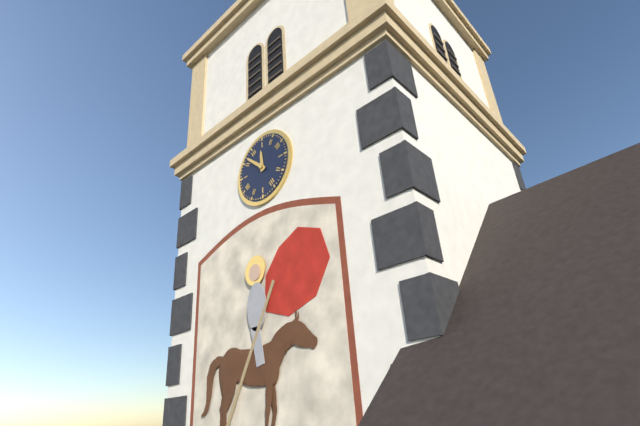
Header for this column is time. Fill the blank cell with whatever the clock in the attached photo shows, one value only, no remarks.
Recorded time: 11:52
